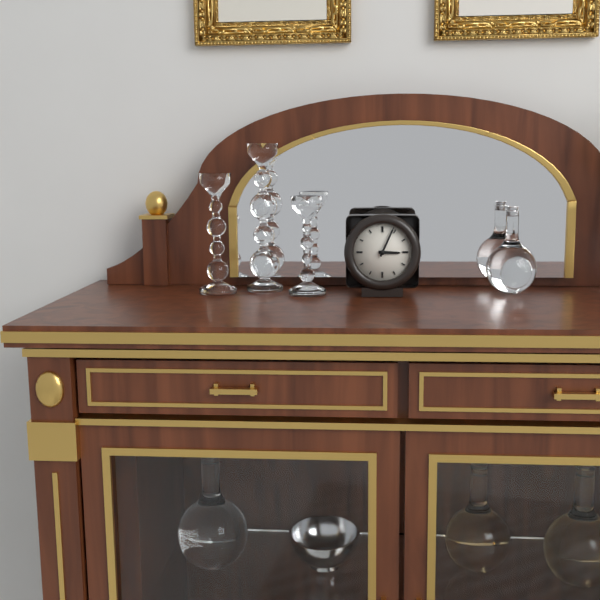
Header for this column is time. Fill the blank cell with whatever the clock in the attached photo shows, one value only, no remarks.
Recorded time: 3:04
